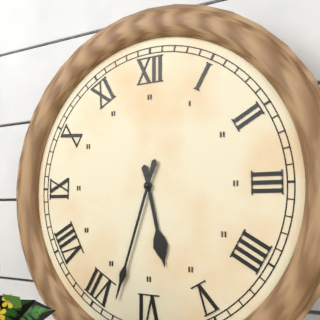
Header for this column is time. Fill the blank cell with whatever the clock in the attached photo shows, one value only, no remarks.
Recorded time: 5:33
